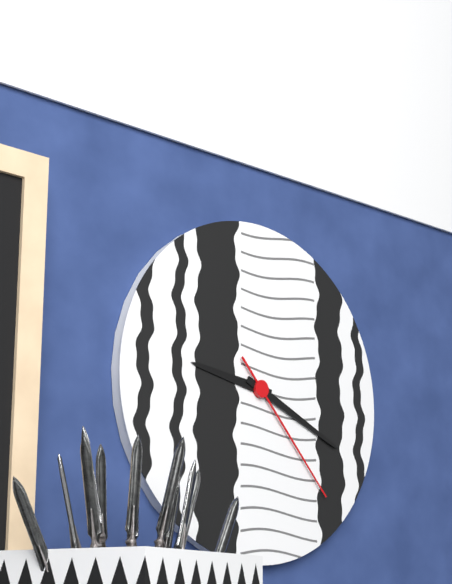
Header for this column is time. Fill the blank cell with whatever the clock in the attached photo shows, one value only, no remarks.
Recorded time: 9:19:23
